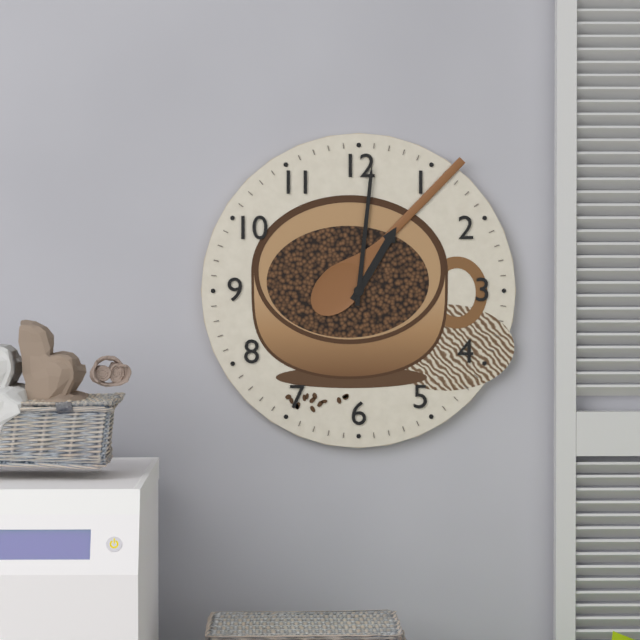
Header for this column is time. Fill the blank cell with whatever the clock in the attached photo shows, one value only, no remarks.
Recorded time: 1:01
